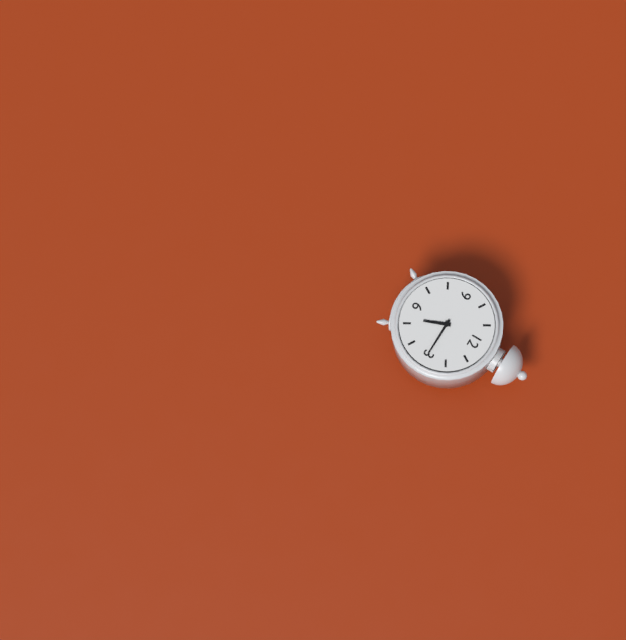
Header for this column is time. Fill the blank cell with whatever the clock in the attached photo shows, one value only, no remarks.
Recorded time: 5:15
